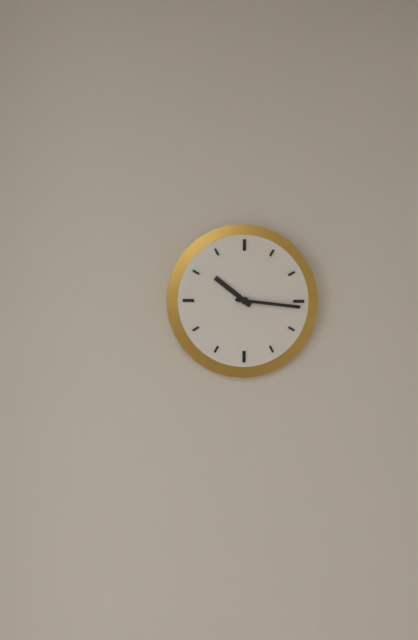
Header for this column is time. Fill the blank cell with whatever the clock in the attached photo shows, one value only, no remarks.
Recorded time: 10:16
